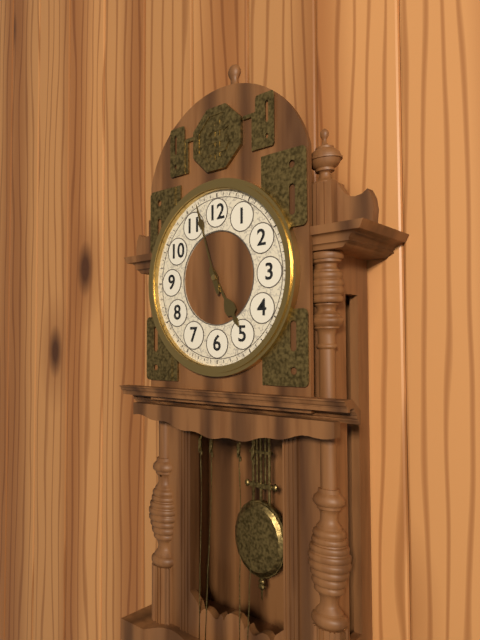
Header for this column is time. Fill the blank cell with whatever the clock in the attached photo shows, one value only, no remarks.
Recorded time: 4:57
